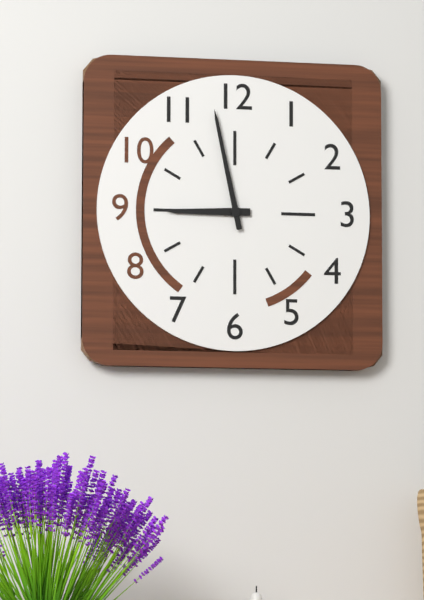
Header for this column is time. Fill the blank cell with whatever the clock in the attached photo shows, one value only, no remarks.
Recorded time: 8:58
